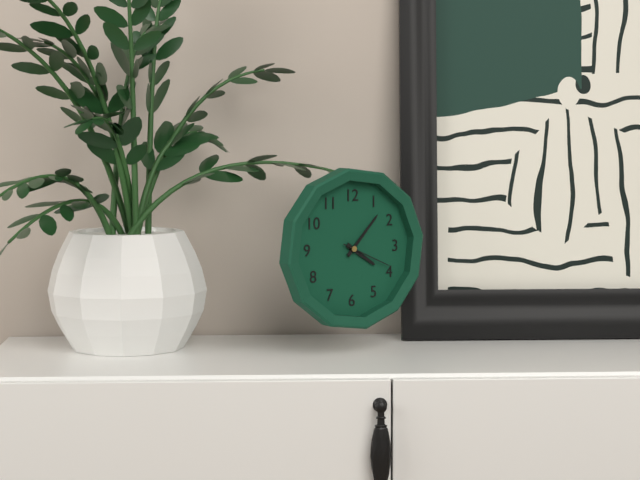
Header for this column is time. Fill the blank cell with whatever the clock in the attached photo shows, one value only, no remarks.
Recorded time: 4:07:19
